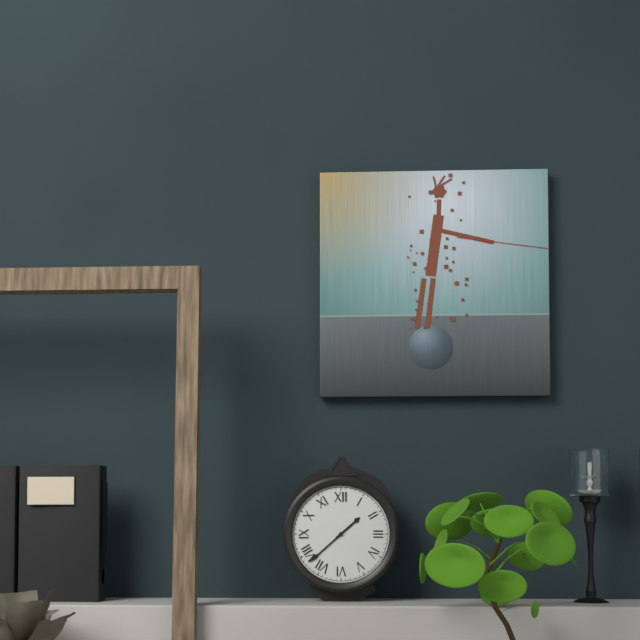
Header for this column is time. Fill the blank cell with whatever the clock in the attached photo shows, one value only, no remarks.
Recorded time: 1:38
